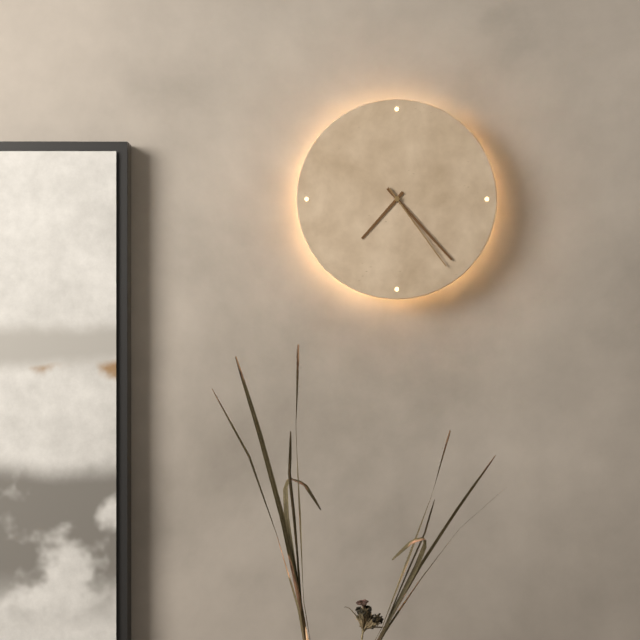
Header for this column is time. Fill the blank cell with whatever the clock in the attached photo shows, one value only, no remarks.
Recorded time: 7:23:24
